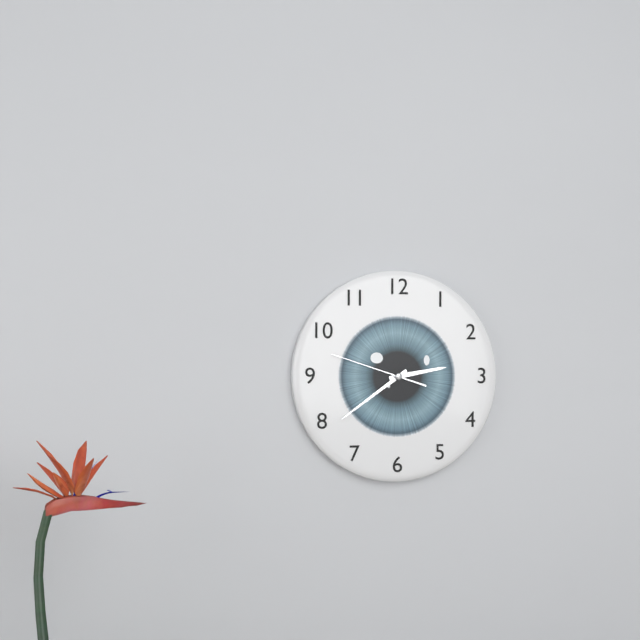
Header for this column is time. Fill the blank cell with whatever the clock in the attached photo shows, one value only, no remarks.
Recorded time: 2:39:48
